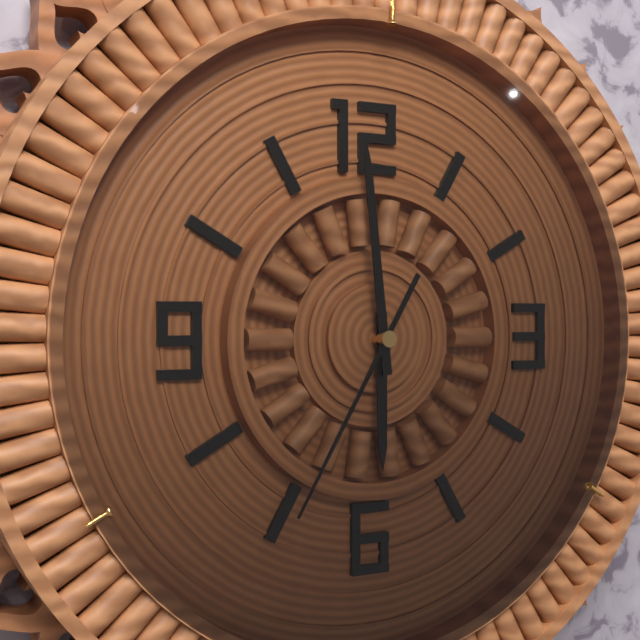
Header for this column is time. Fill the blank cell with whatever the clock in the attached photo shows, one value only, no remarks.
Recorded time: 5:59:35
